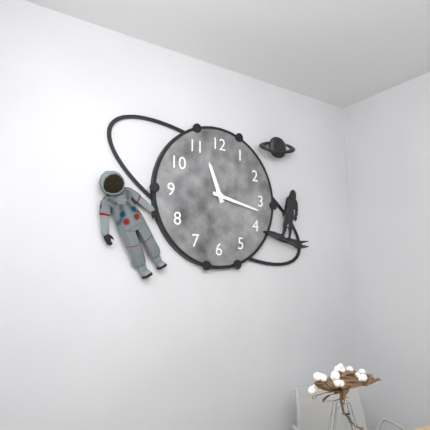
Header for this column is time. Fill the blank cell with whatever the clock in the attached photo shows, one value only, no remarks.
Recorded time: 11:17
